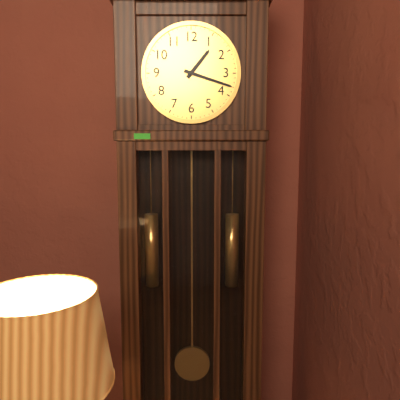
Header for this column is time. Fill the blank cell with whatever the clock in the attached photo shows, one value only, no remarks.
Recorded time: 1:18
